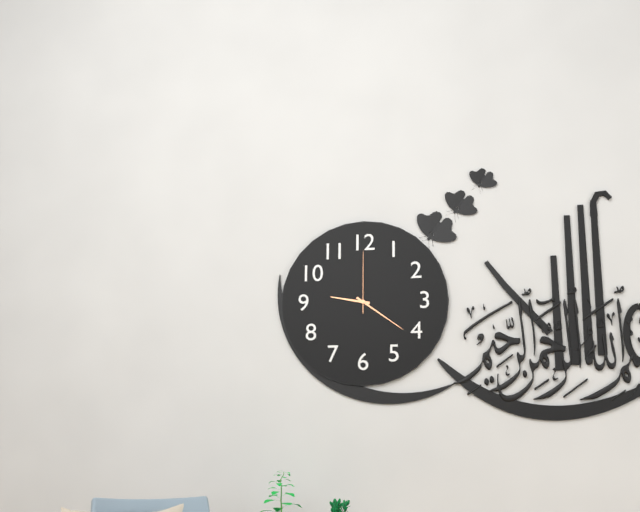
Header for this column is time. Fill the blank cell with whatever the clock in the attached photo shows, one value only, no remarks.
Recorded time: 9:21:00
